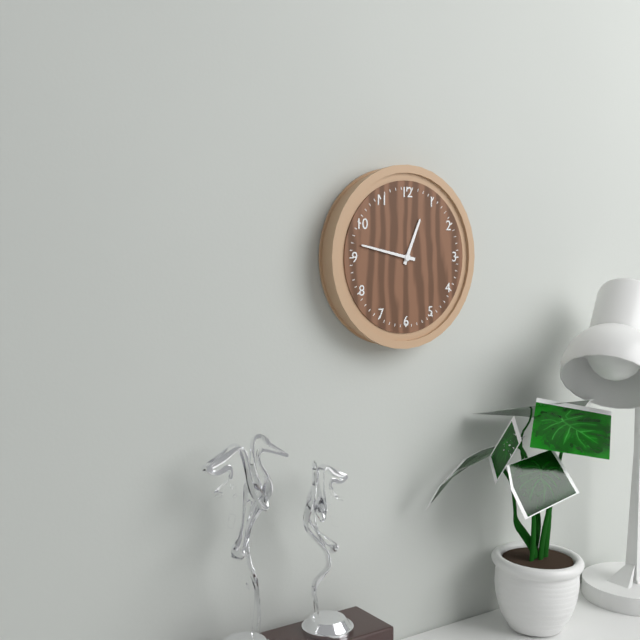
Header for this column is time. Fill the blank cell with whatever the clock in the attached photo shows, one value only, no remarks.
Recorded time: 12:47
